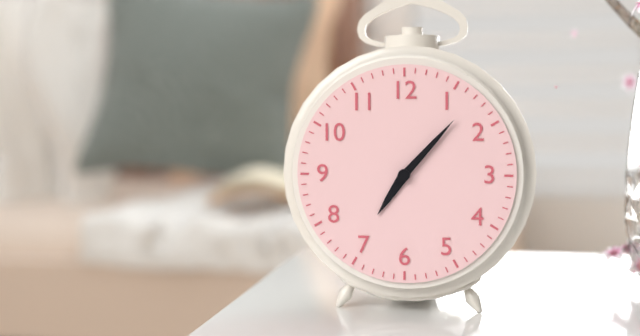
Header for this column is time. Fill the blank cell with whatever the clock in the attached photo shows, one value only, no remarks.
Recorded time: 7:07
